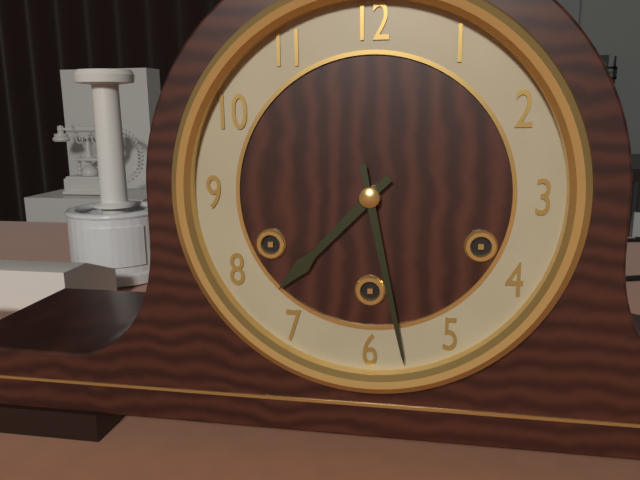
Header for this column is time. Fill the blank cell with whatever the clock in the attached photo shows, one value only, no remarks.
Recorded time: 7:28
